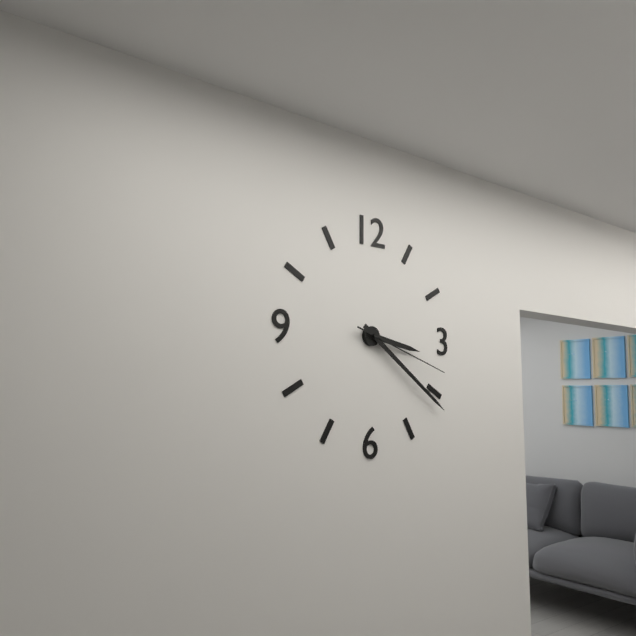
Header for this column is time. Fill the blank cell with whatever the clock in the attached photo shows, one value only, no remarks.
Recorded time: 3:21:18
